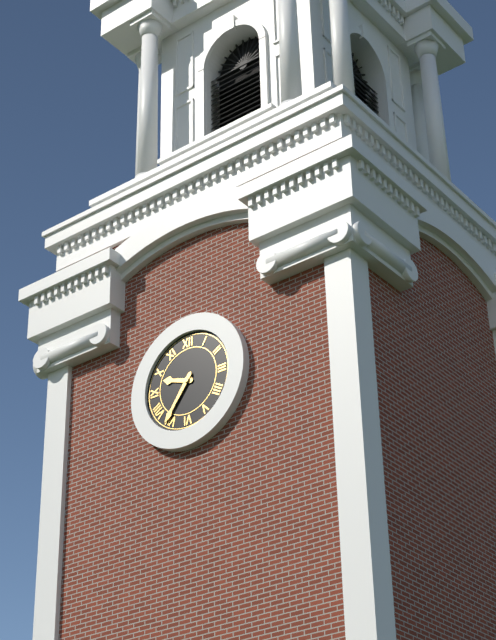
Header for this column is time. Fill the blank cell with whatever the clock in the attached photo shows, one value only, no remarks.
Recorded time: 9:36
